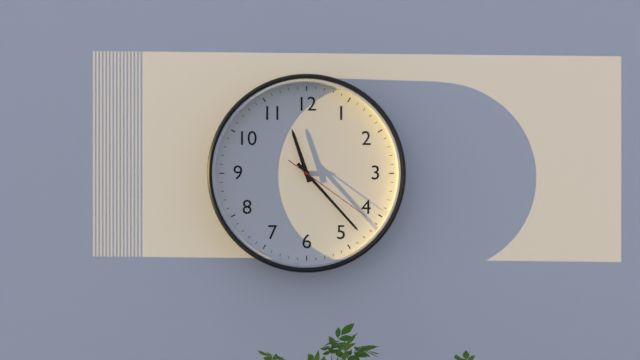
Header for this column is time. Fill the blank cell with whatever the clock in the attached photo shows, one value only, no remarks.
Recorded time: 11:23:21
